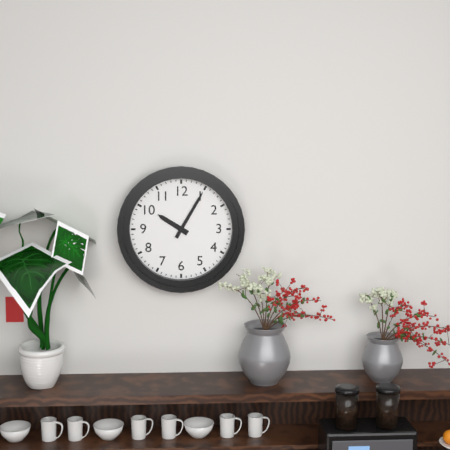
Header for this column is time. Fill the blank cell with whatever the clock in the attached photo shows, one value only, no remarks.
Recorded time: 10:05
